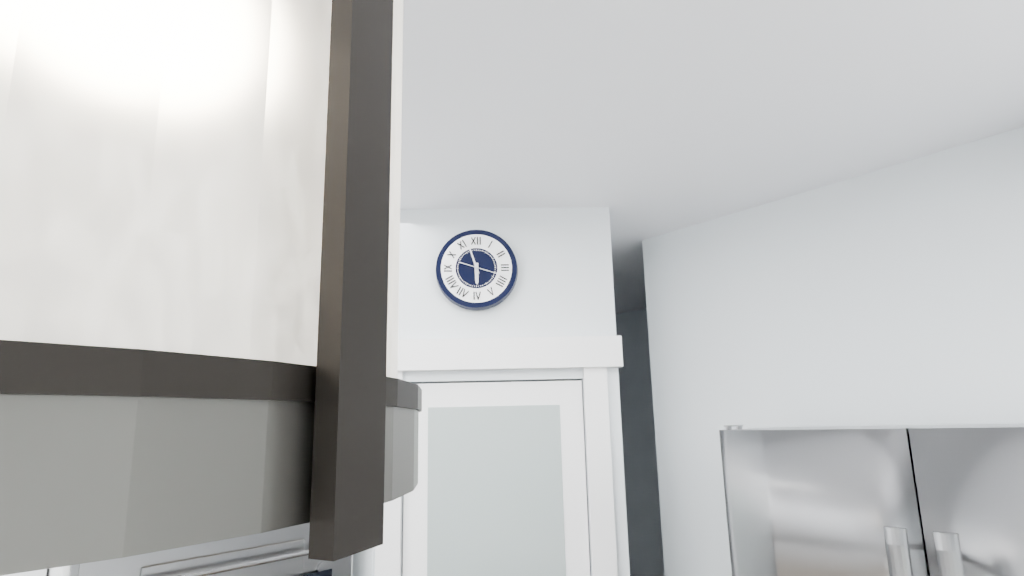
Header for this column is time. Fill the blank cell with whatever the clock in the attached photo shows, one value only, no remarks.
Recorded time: 5:57
